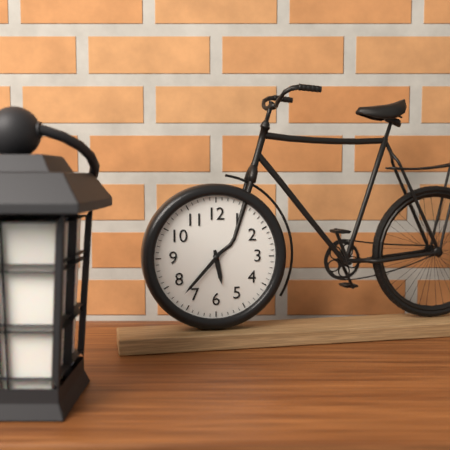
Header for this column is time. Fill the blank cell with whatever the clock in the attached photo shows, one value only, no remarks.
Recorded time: 5:37
